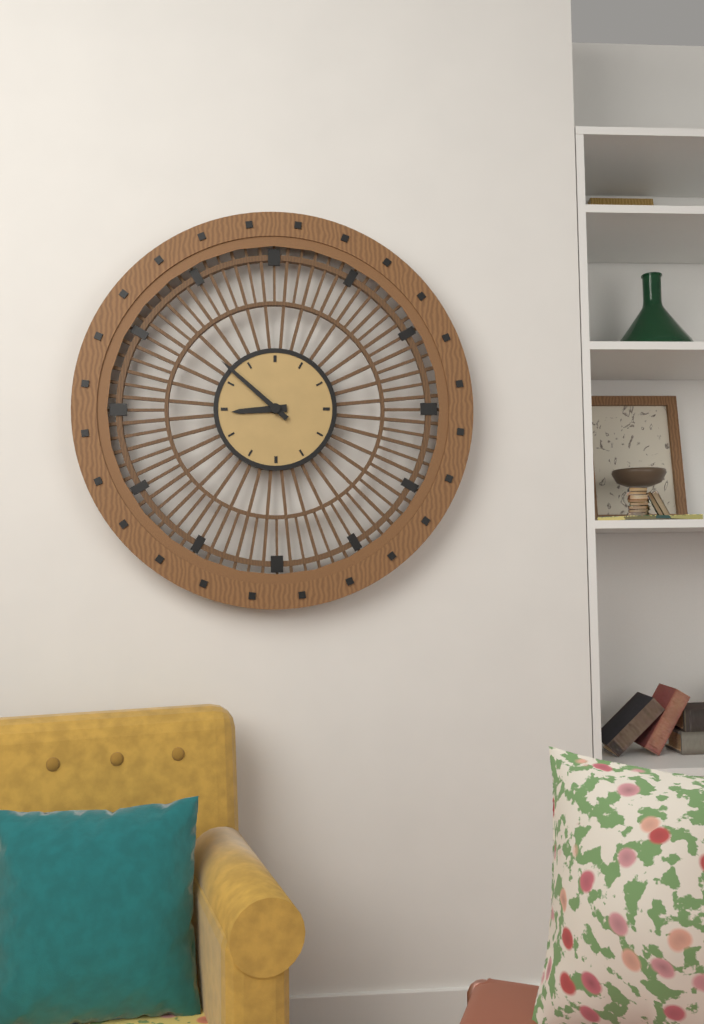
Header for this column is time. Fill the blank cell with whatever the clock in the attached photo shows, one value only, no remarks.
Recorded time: 8:52
